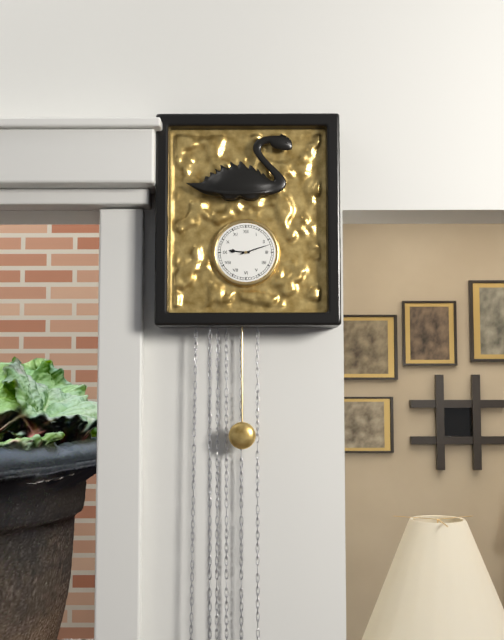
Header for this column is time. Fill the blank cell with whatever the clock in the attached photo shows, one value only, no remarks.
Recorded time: 9:12
